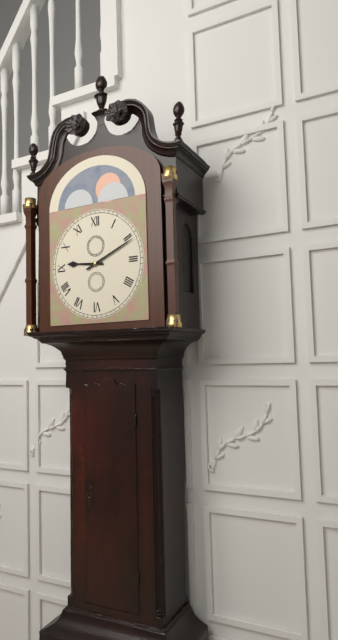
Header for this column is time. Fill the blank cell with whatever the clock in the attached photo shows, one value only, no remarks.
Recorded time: 9:11
